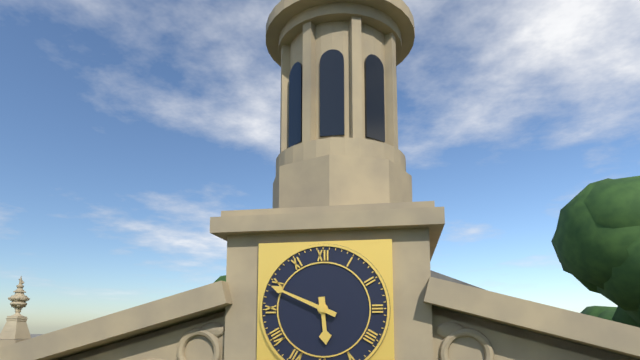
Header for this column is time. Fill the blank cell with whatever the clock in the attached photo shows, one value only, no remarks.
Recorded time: 5:49
